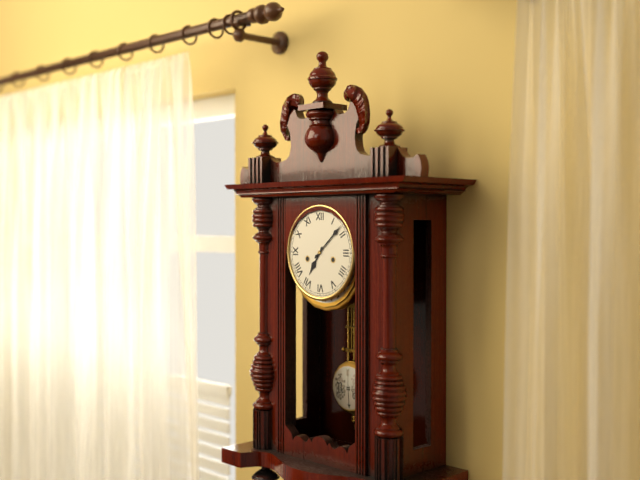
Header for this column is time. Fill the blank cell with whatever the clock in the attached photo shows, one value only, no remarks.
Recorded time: 7:08
